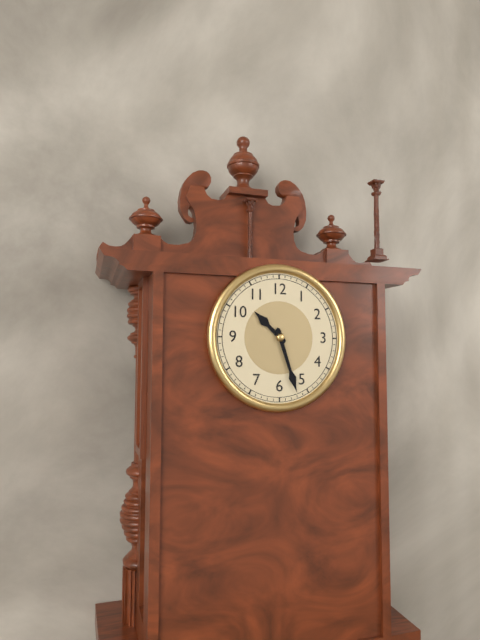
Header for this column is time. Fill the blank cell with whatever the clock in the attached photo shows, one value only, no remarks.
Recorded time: 10:27
